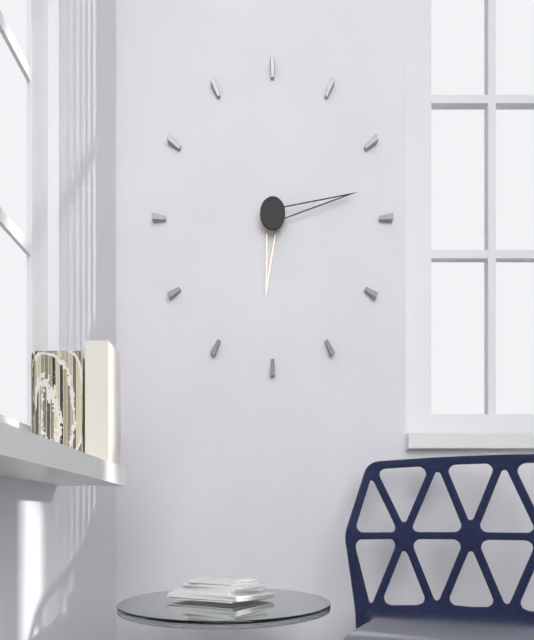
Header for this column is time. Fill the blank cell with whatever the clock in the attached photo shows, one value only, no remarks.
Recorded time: 6:13
